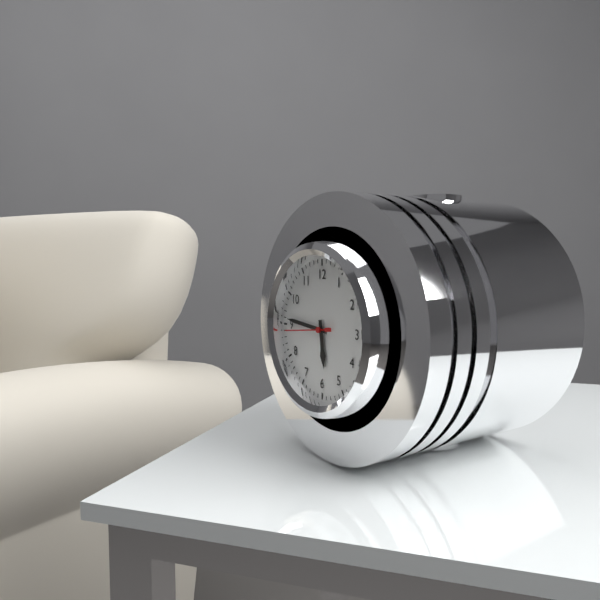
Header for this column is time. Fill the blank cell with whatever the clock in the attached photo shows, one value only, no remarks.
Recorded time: 5:46
